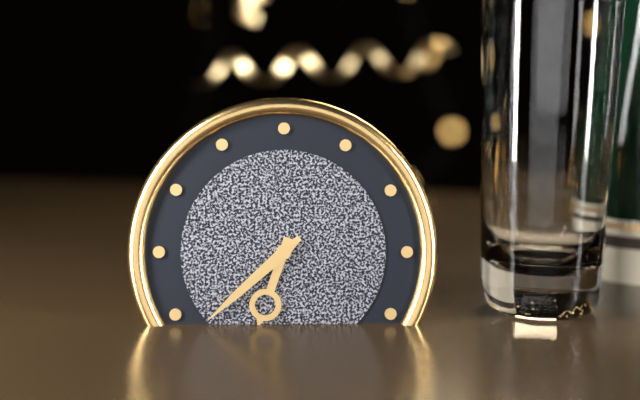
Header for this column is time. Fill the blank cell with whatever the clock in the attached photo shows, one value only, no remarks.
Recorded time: 6:38
